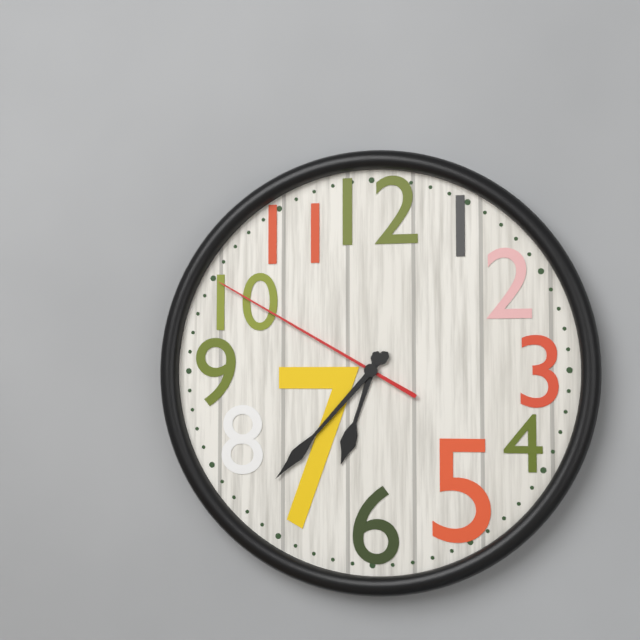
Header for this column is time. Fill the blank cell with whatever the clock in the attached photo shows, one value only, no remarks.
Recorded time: 6:37:50
